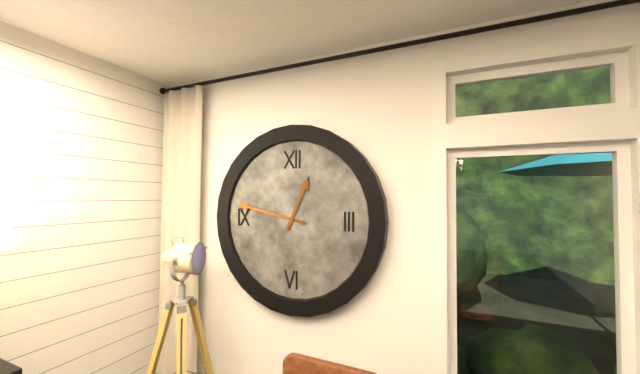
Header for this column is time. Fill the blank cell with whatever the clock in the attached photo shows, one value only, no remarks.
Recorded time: 12:47
